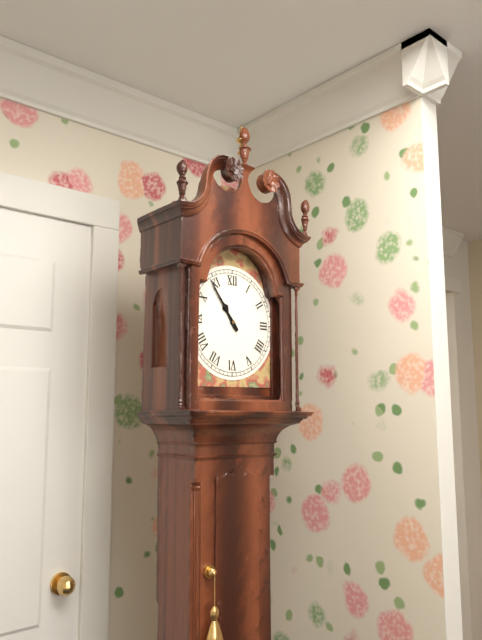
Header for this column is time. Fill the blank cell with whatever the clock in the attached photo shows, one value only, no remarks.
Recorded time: 10:54
